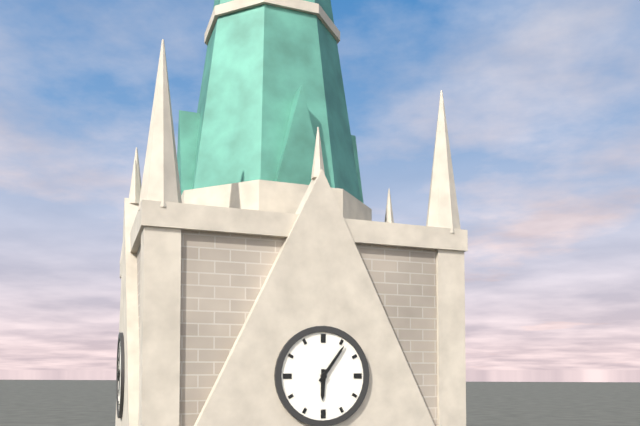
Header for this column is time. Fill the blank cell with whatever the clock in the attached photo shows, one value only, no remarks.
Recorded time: 6:06
